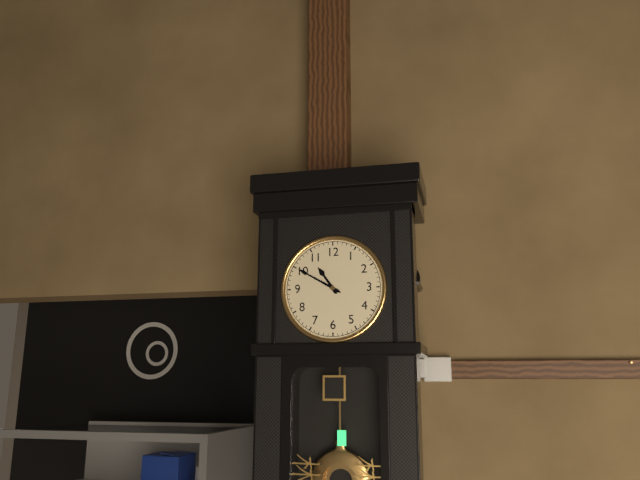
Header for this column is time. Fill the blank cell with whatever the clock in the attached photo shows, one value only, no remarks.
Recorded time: 10:50
